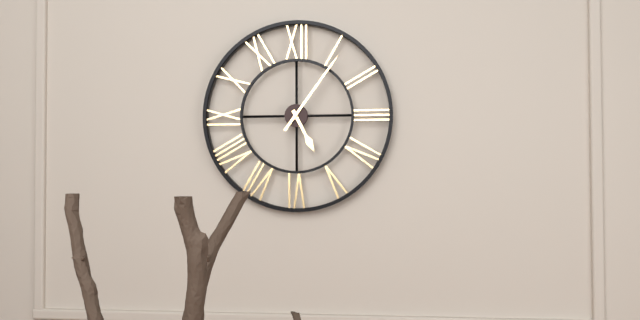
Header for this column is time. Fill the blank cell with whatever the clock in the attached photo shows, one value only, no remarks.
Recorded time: 5:06
